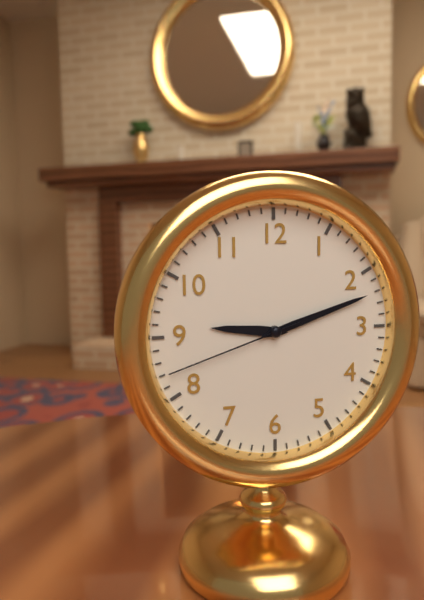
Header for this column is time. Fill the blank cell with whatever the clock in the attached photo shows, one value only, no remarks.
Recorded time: 9:12:42
